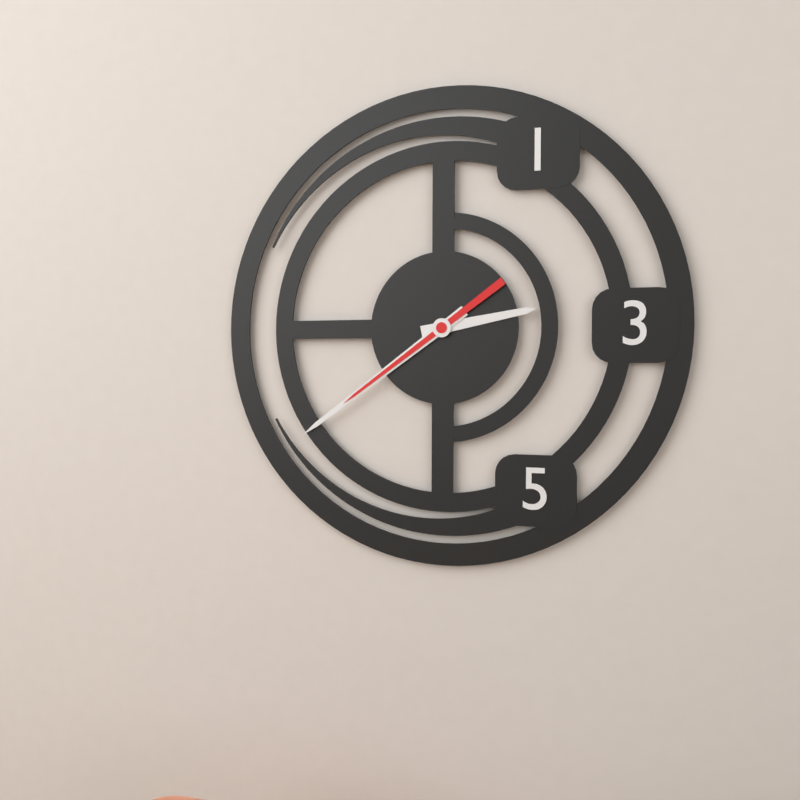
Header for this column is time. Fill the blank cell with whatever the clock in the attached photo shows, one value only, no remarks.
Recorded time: 2:39:39
